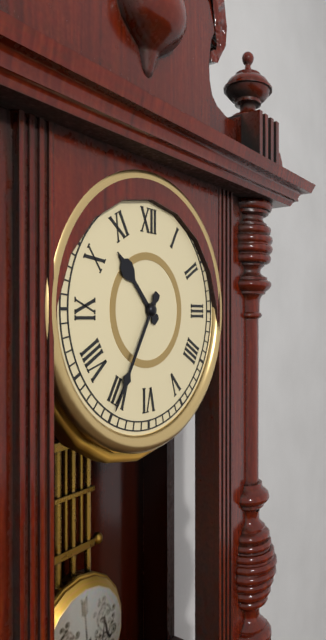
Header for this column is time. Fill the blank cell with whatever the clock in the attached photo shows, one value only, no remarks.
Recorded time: 10:35
